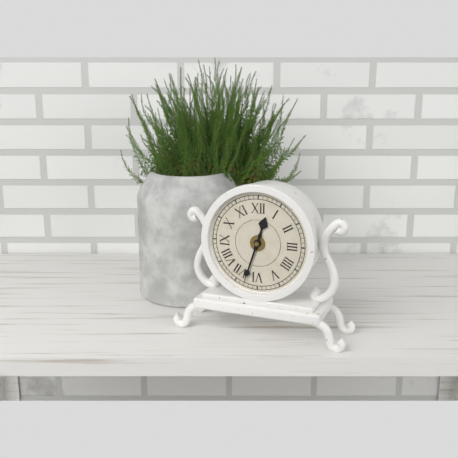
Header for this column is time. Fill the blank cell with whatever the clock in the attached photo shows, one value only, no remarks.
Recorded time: 12:33
